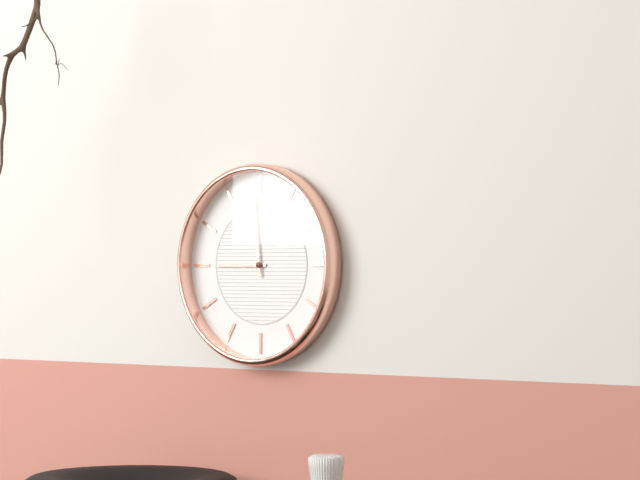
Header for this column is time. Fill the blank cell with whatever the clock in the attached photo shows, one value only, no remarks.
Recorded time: 8:59
